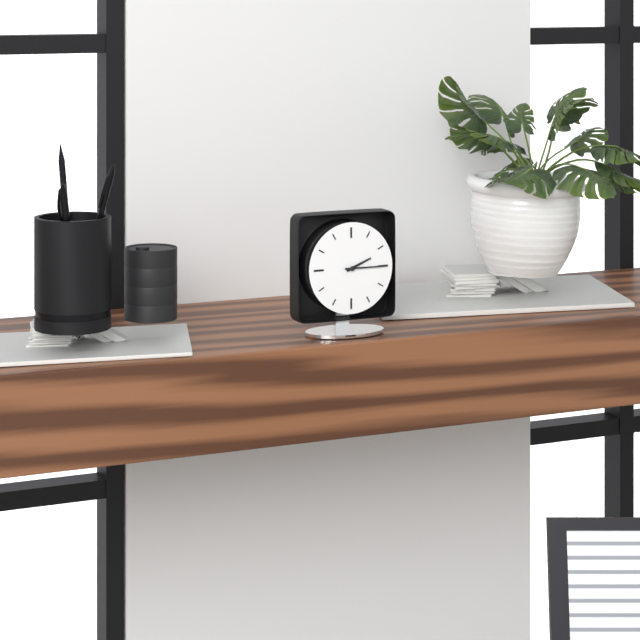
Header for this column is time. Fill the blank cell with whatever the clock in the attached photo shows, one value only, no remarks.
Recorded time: 2:15
